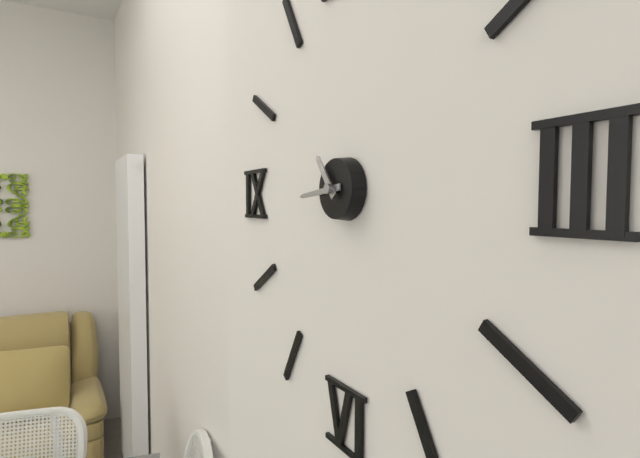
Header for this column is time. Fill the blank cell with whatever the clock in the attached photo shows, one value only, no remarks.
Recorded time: 10:44
